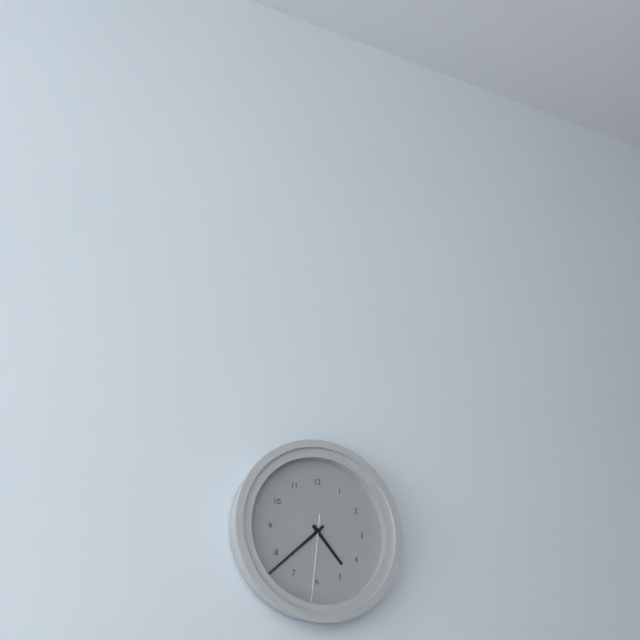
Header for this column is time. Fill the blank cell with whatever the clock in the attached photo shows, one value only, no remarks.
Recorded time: 4:38:31
